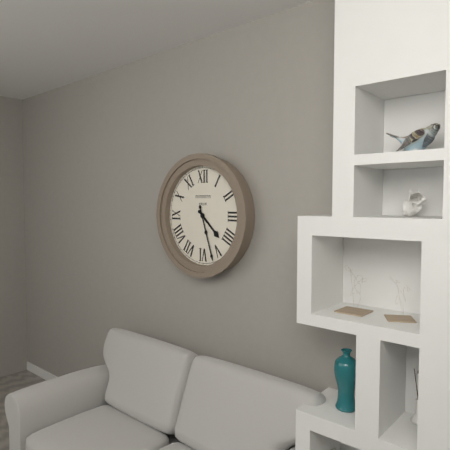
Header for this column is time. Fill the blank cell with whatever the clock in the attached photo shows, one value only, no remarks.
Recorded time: 4:27
